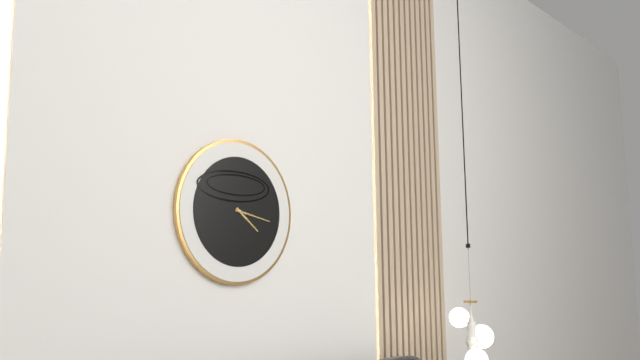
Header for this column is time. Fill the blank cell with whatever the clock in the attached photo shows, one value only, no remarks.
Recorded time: 4:17
